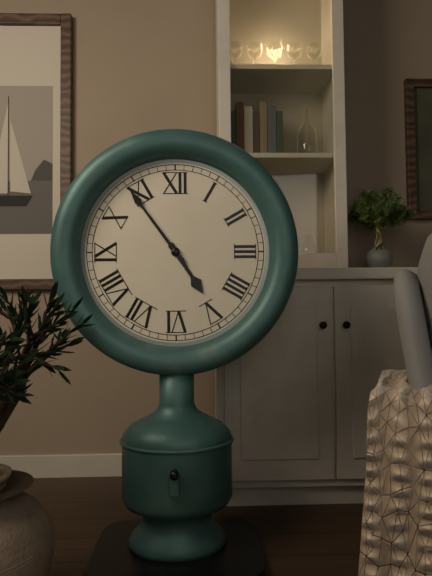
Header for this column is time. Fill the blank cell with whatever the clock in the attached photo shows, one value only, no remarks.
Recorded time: 4:54
